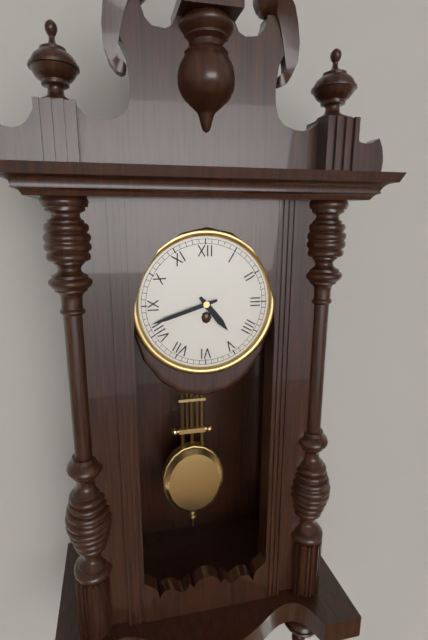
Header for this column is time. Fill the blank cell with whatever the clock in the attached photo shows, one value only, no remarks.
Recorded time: 4:42
